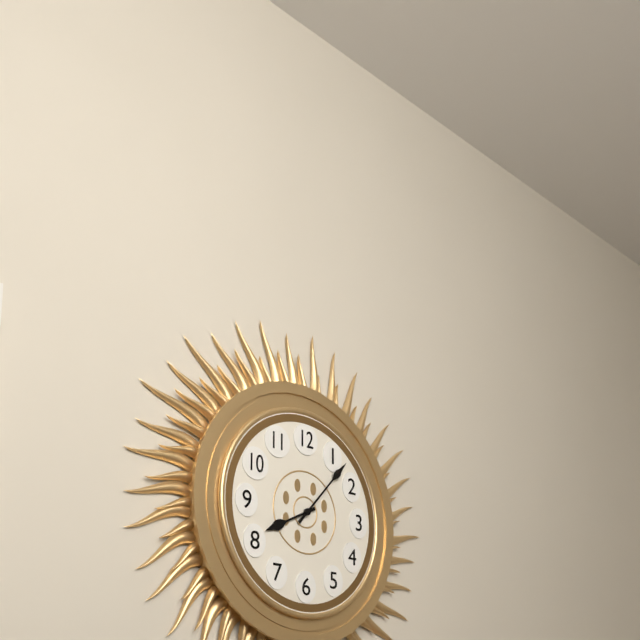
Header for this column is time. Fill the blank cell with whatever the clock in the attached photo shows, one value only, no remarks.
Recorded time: 8:07
